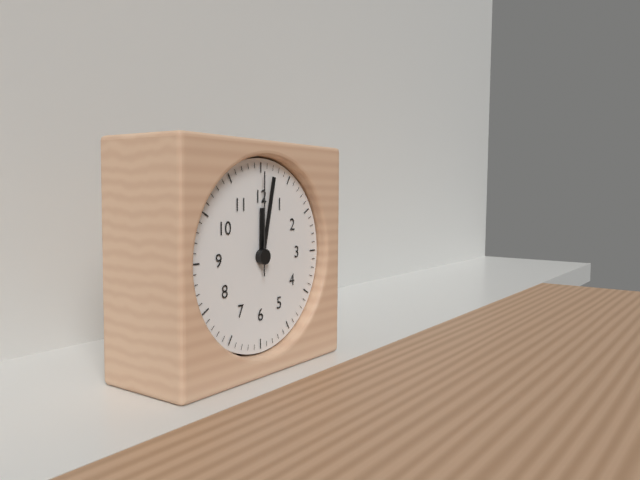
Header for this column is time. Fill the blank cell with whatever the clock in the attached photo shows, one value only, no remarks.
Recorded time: 12:02:00
